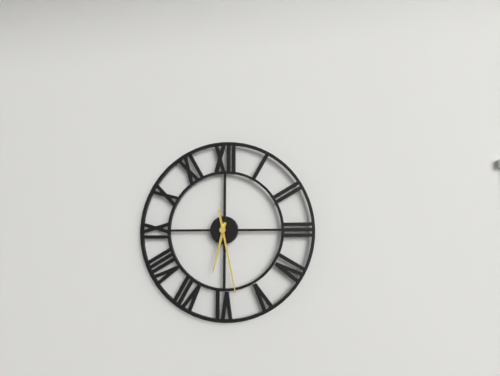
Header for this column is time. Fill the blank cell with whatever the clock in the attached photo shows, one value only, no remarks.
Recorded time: 6:28
